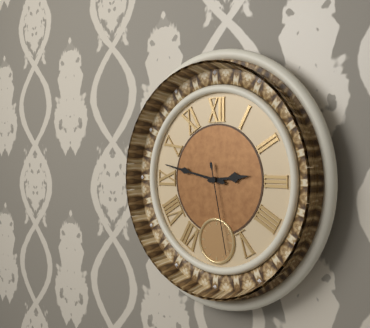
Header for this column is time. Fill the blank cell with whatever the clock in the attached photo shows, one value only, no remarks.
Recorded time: 2:47:28
